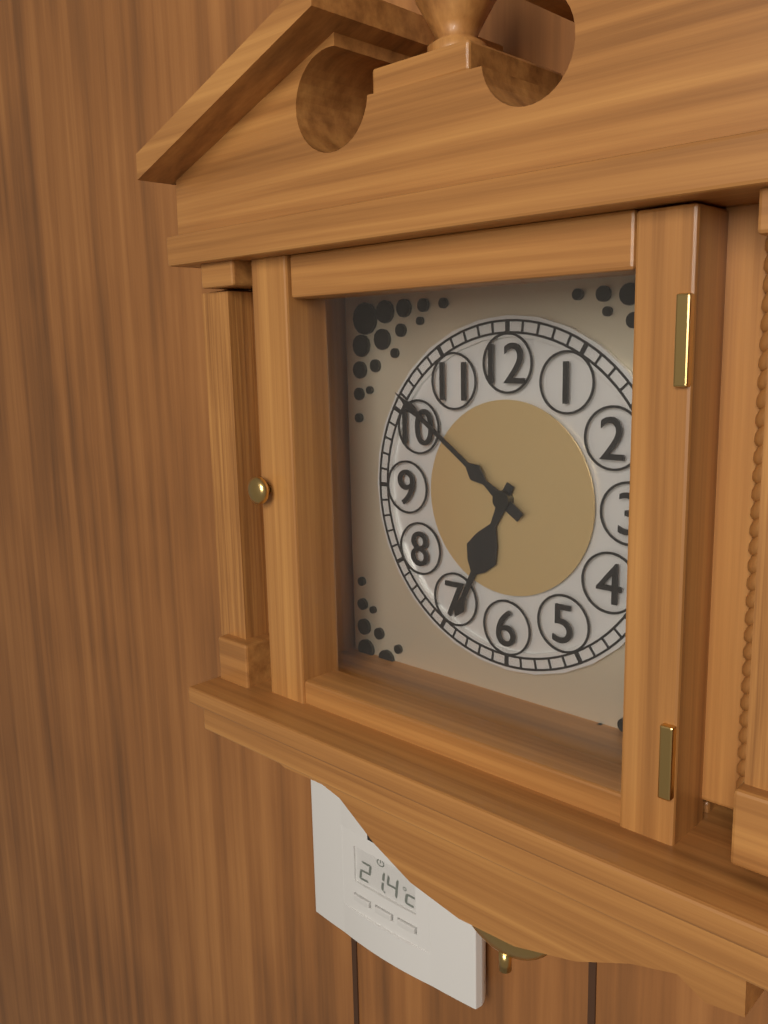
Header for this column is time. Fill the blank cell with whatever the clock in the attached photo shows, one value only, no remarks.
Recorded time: 6:51
